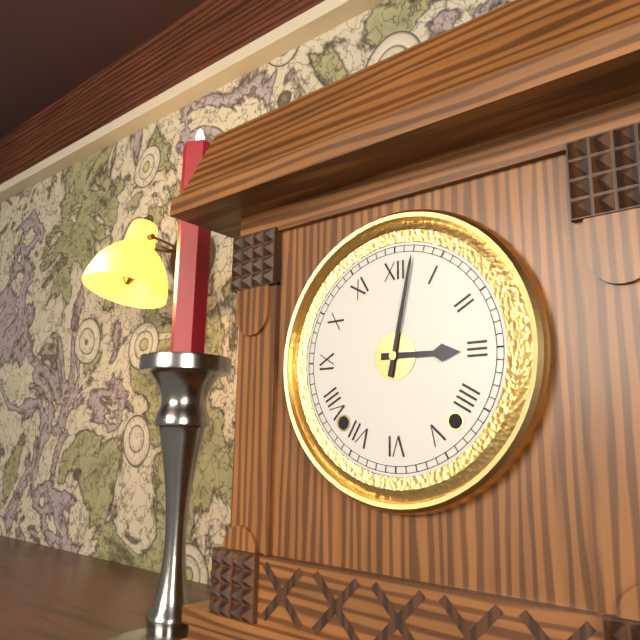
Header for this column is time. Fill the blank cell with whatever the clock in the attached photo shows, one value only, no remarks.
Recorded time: 3:02
